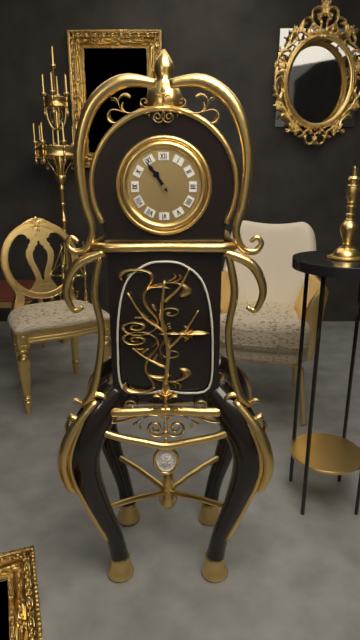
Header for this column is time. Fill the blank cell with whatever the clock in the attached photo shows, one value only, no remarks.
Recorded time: 10:54
